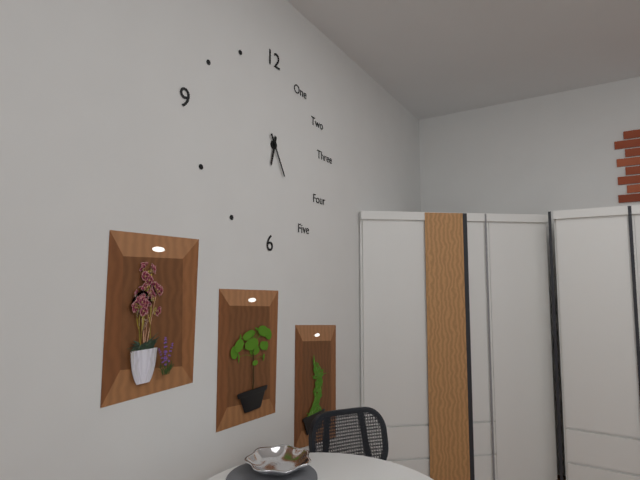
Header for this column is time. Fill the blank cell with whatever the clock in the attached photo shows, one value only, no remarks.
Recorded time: 6:25
